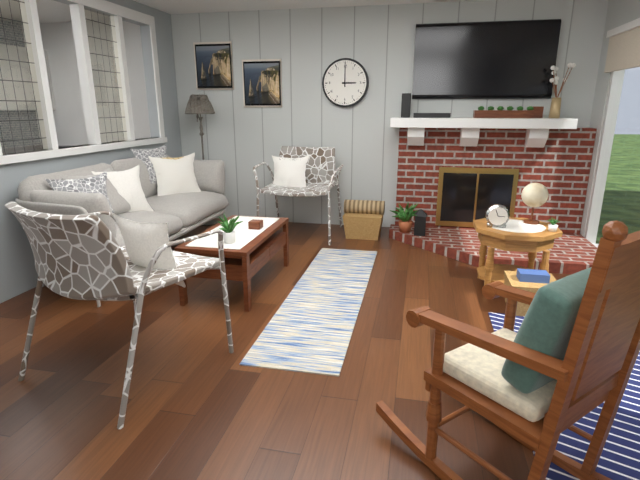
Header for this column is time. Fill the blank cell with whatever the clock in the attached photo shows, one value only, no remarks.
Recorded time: 3:00
